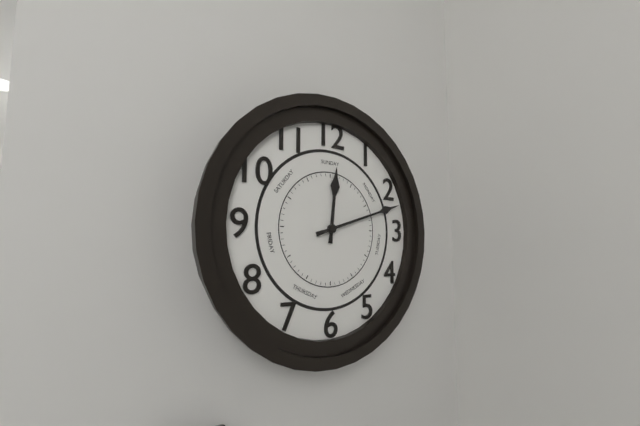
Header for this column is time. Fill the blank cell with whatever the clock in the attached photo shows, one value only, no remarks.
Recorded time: 12:12
